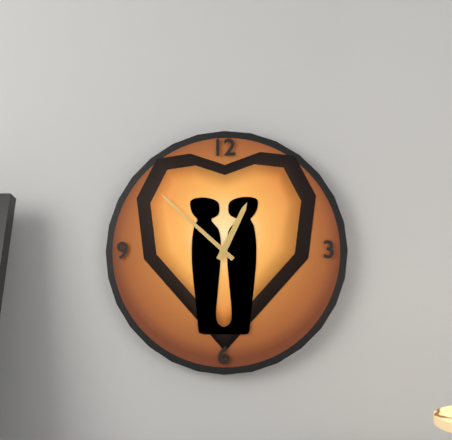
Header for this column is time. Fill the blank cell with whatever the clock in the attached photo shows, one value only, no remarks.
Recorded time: 12:52
